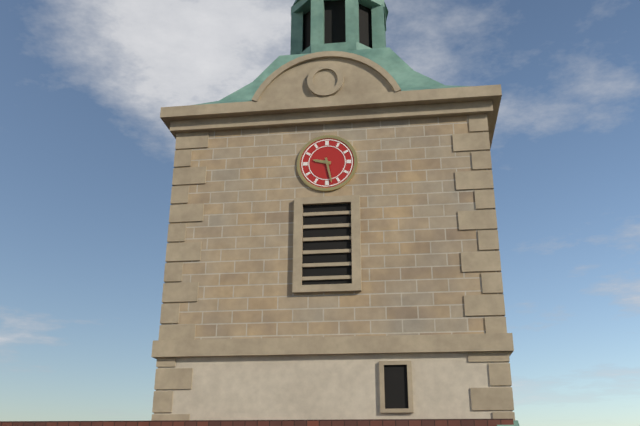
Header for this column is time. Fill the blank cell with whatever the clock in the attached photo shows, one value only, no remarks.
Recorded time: 9:28
